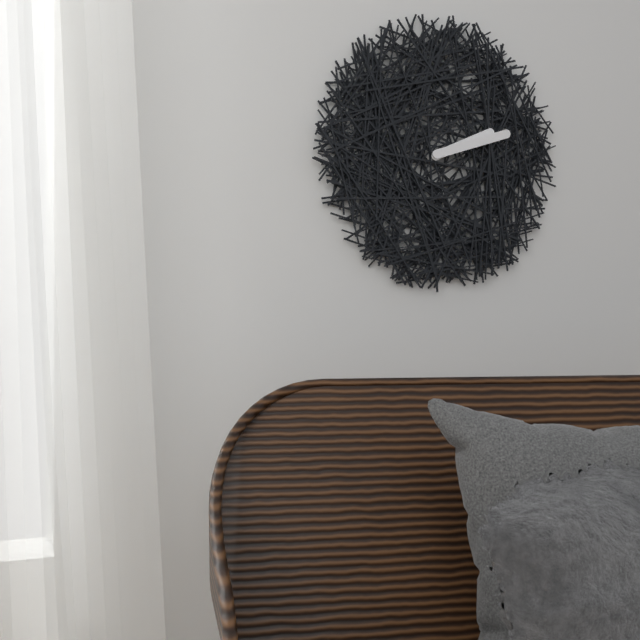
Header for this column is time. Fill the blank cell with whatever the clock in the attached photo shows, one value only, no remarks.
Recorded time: 2:12
